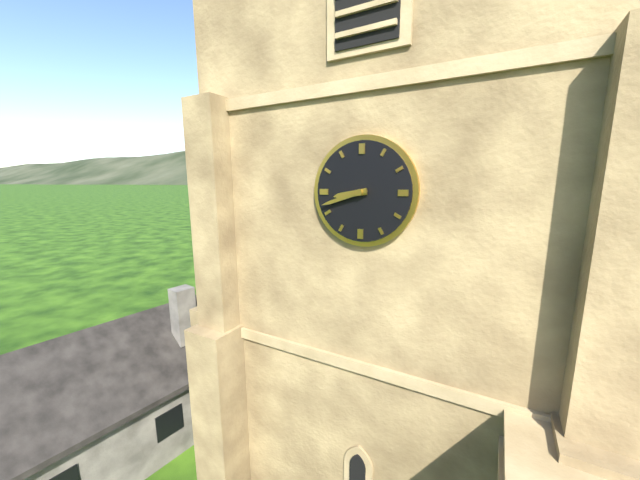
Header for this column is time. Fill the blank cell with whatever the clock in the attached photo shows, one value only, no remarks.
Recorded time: 8:42
